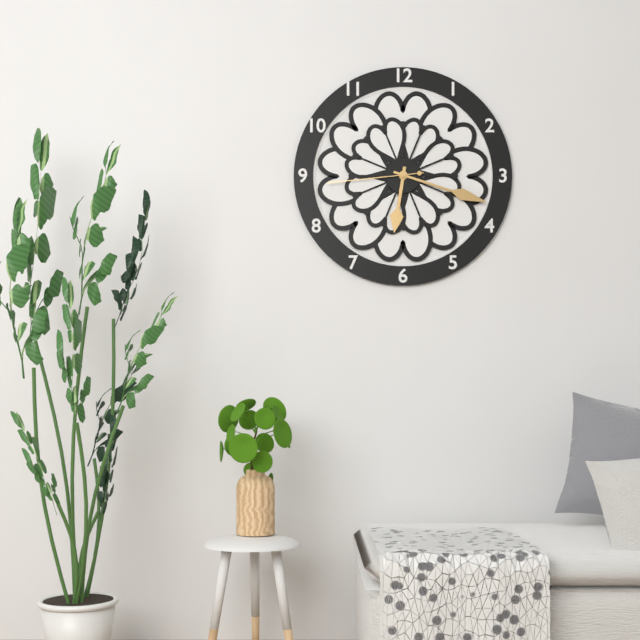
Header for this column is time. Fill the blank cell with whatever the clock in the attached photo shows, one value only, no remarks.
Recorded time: 6:18:44
